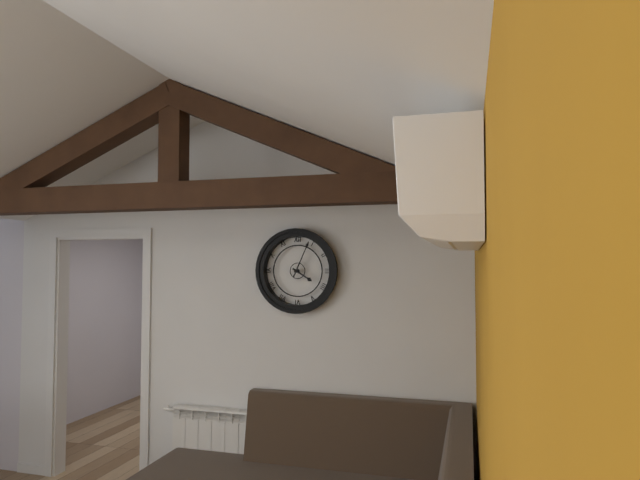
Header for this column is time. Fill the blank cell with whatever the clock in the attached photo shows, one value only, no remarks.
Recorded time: 4:04
